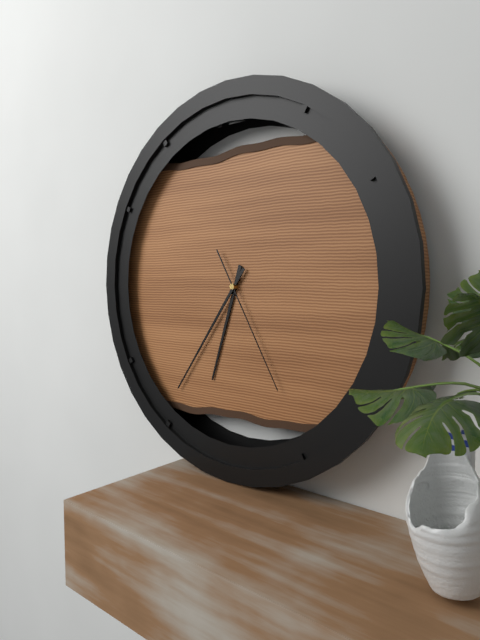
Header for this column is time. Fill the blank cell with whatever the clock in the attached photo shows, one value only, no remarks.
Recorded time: 6:36:25
